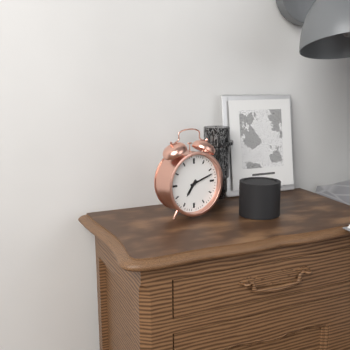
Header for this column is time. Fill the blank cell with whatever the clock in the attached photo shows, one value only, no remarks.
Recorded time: 7:12
